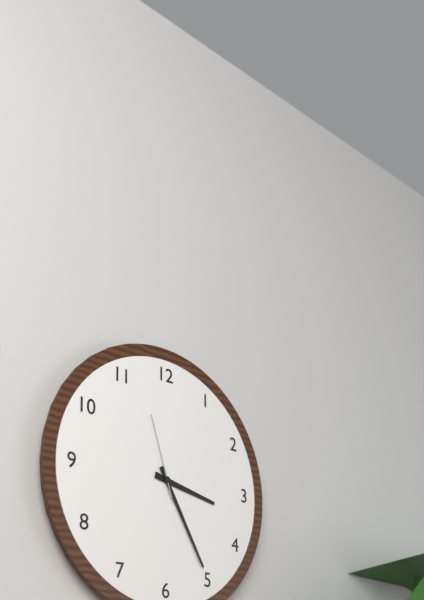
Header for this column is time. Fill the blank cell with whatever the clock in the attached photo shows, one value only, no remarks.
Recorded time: 3:25:57
